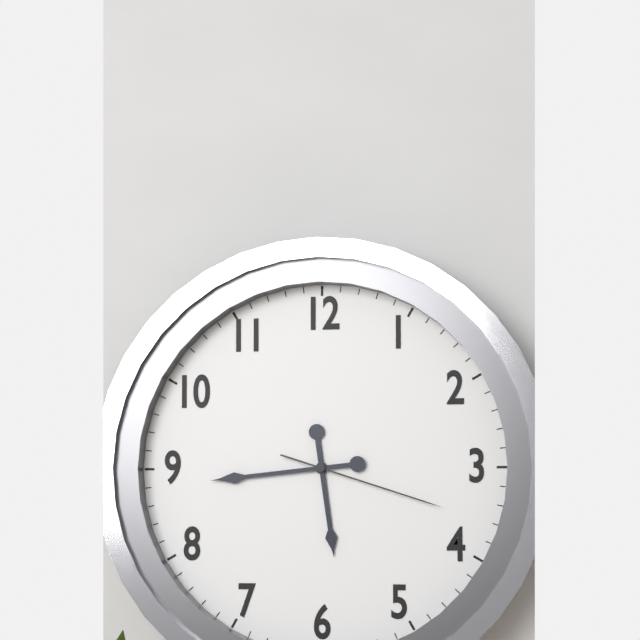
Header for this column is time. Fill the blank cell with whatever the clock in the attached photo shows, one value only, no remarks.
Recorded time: 5:44:18
